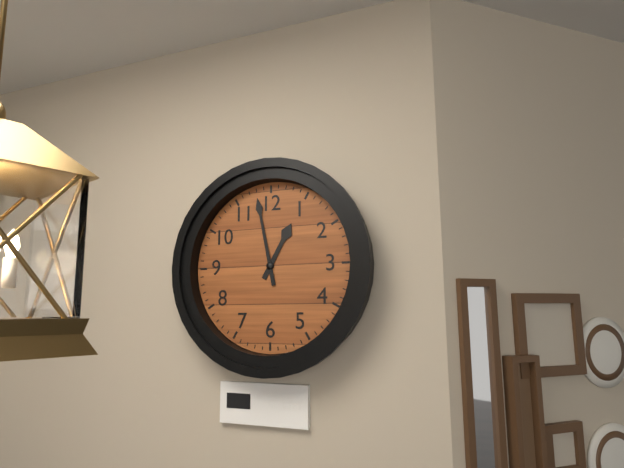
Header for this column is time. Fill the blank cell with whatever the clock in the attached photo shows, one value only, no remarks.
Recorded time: 12:58
